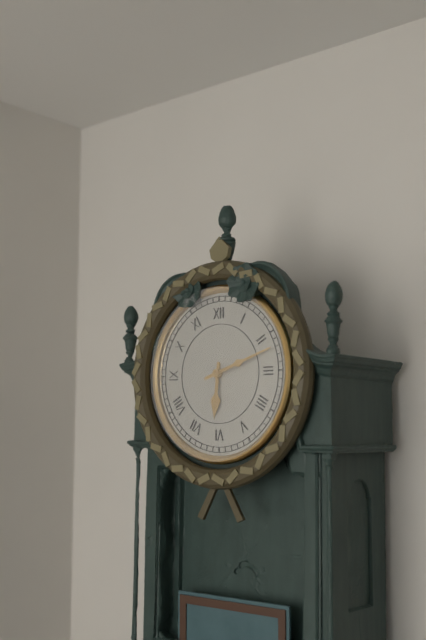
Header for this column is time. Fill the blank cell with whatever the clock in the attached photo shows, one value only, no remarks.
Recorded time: 6:12
